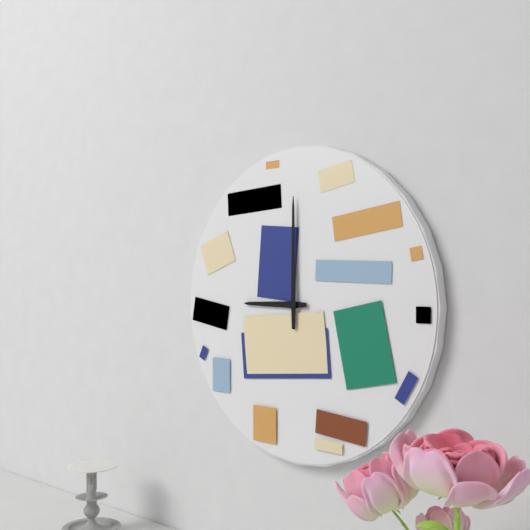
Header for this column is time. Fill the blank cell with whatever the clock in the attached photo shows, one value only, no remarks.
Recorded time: 9:00
